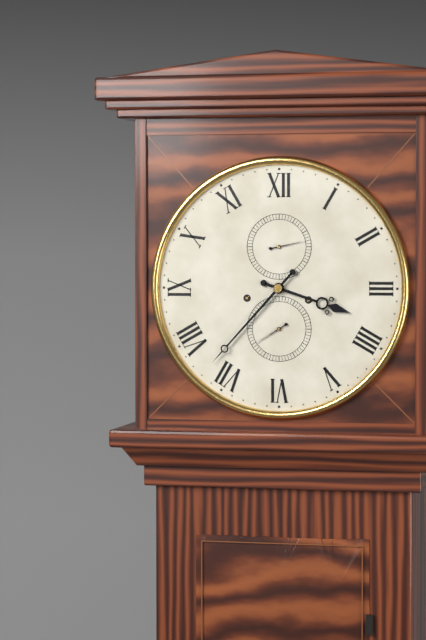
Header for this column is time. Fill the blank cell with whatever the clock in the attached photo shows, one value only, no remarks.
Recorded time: 3:37
